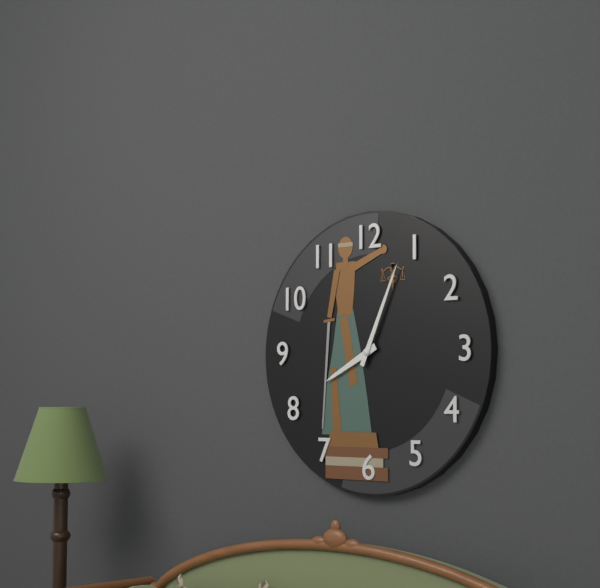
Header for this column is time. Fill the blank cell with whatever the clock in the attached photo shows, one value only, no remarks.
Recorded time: 8:04
